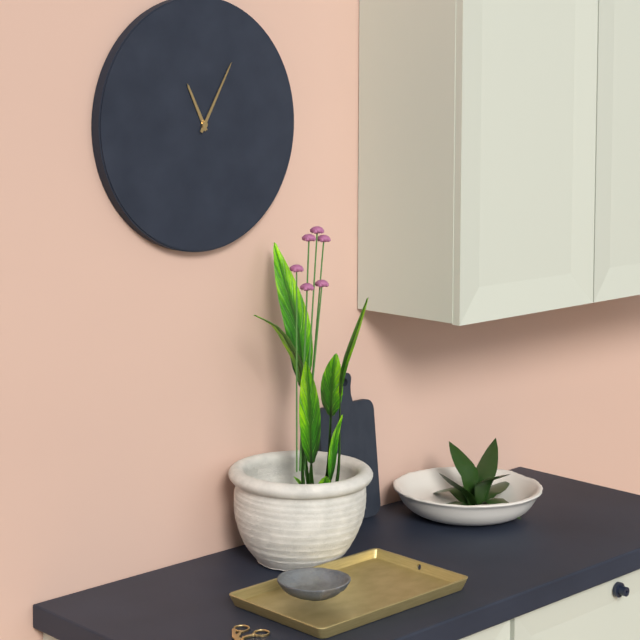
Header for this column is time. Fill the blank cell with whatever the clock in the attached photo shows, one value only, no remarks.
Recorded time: 11:05
